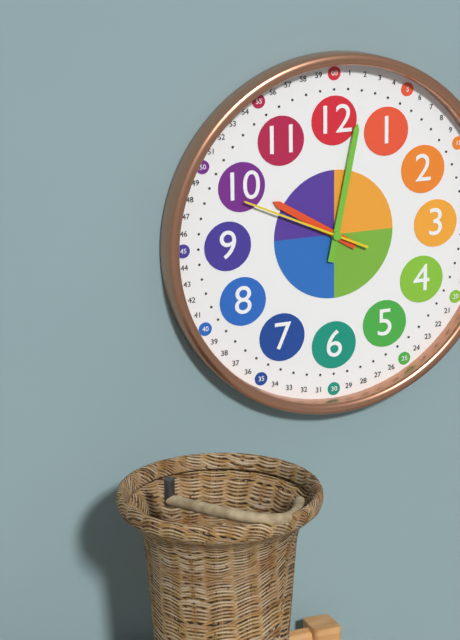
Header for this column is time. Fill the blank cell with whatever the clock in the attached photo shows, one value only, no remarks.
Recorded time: 10:02:49
